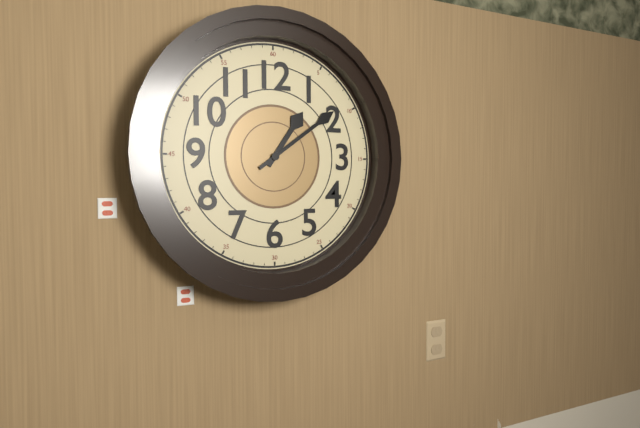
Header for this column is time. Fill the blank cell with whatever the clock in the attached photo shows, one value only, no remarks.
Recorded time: 1:09
